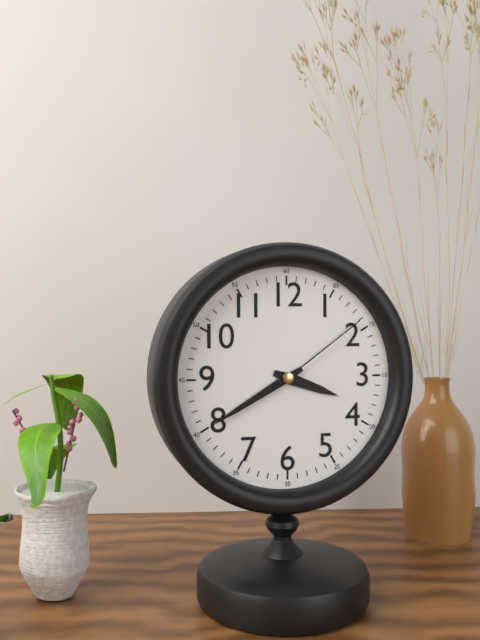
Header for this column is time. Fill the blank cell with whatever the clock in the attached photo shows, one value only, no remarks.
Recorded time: 3:40:09
